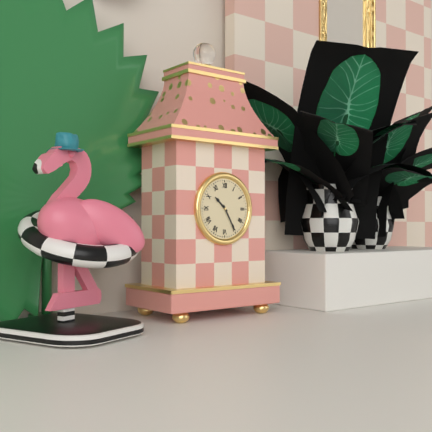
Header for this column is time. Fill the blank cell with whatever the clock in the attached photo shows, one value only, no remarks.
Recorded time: 10:25
